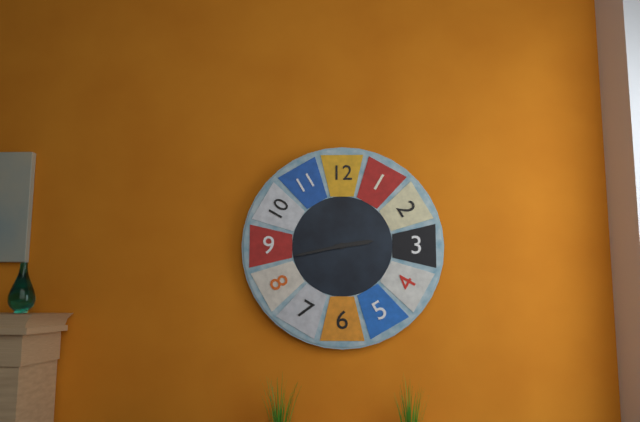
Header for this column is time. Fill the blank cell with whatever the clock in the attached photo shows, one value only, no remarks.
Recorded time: 2:43
